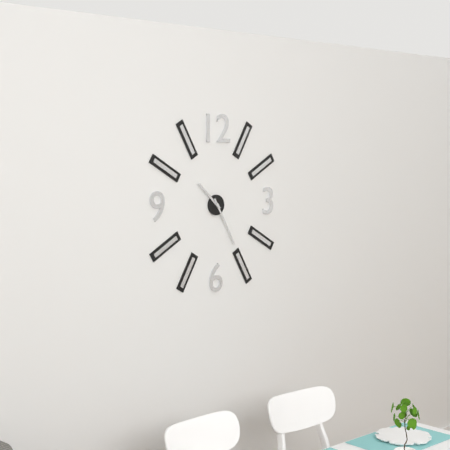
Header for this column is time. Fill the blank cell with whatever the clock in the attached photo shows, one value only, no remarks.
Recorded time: 10:25
